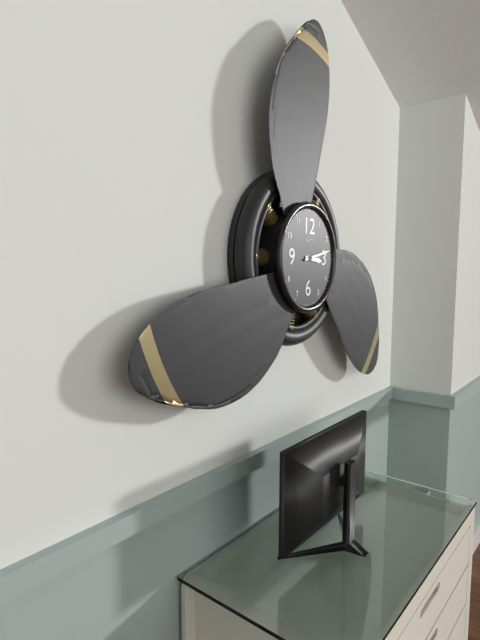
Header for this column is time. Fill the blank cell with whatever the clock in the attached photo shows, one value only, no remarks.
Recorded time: 3:13
